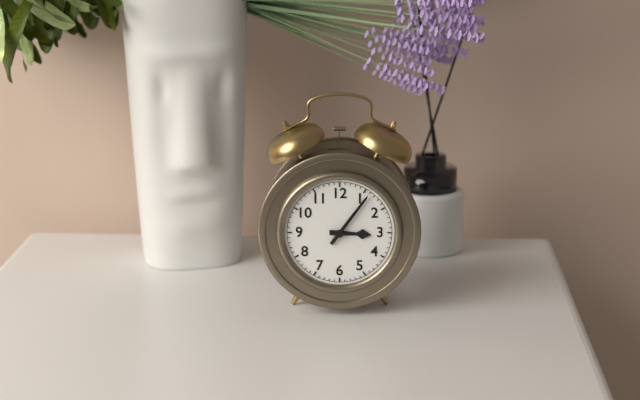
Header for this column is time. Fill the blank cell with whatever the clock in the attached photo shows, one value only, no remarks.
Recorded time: 3:06
